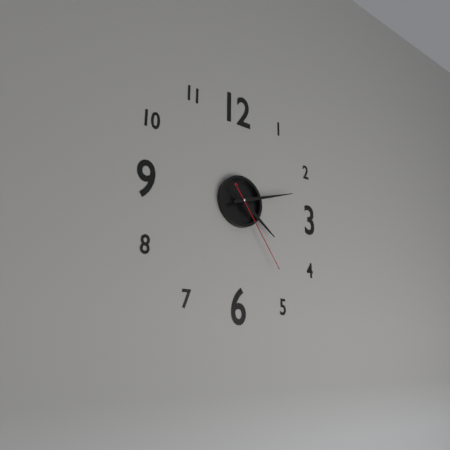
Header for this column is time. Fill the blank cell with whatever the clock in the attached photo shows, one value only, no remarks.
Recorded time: 4:12:24
